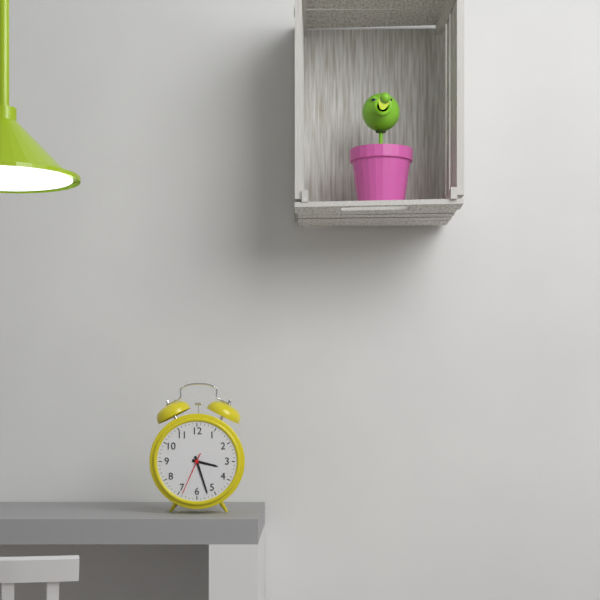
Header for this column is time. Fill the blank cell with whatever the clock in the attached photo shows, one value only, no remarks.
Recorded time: 3:27
